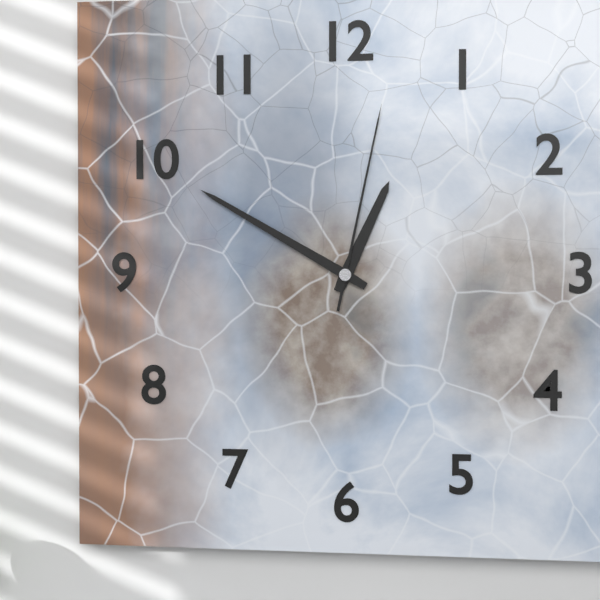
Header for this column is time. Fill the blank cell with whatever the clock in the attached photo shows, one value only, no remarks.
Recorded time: 12:50:02
